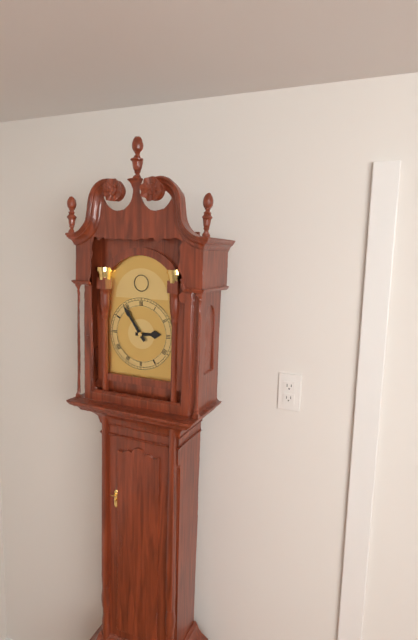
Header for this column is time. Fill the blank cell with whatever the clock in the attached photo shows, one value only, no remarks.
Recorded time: 2:54
